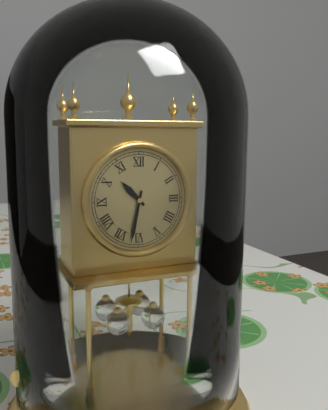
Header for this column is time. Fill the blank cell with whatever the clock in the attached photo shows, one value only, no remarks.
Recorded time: 10:32
